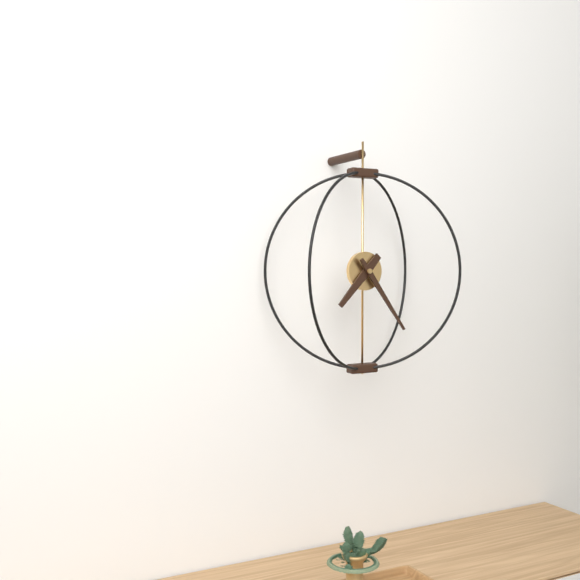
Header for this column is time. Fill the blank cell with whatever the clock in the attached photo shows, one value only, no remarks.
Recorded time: 7:24
